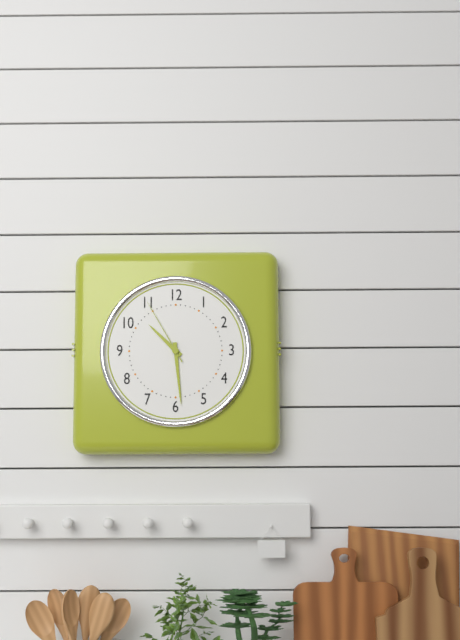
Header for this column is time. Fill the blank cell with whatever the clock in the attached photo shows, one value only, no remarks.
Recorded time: 10:29:55
